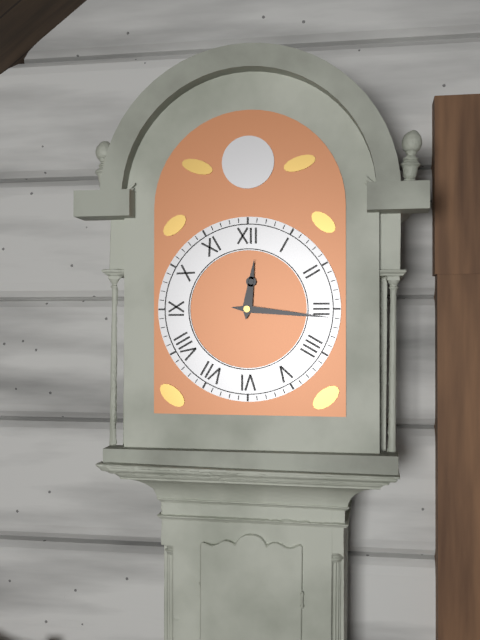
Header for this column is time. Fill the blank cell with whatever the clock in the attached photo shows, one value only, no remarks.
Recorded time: 12:16
